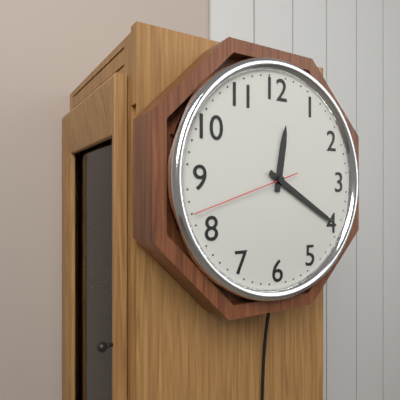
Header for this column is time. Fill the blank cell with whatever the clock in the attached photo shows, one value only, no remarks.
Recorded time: 12:20:42
